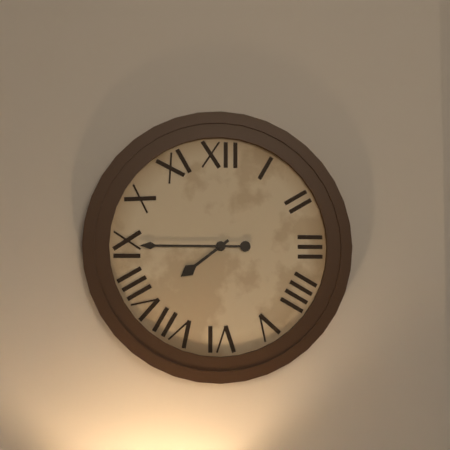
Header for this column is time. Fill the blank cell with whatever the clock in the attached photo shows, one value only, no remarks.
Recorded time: 7:45
